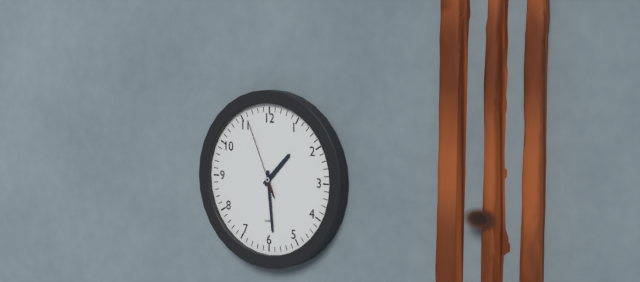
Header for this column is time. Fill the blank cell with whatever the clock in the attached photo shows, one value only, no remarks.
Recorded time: 1:29:56
